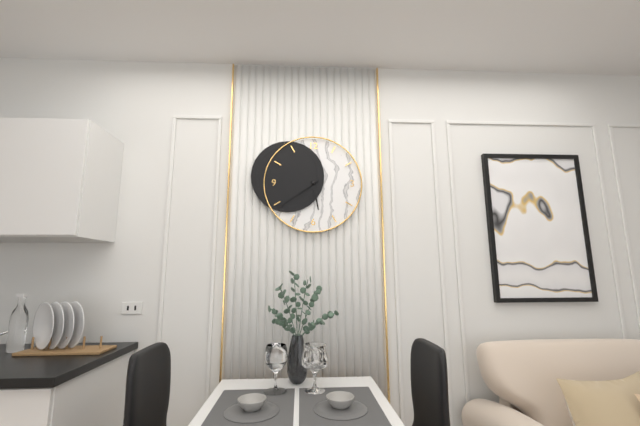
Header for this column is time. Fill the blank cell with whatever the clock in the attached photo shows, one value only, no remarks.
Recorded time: 5:39
